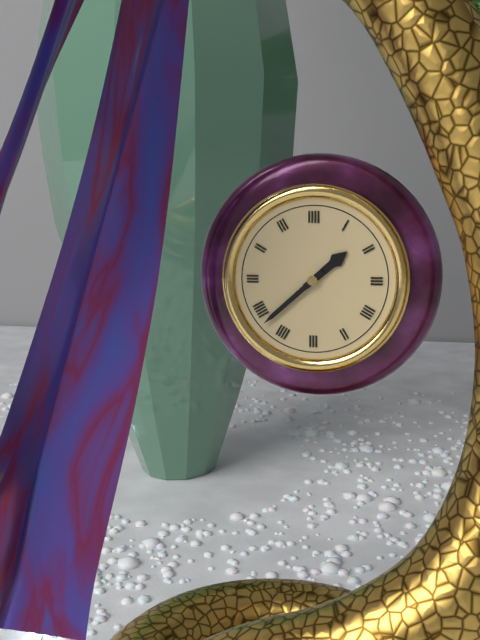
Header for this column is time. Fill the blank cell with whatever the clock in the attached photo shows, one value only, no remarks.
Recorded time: 1:38
